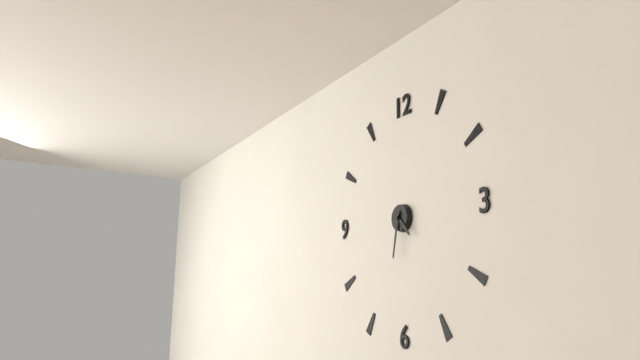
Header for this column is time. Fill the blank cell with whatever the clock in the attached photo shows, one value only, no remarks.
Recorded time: 4:32
